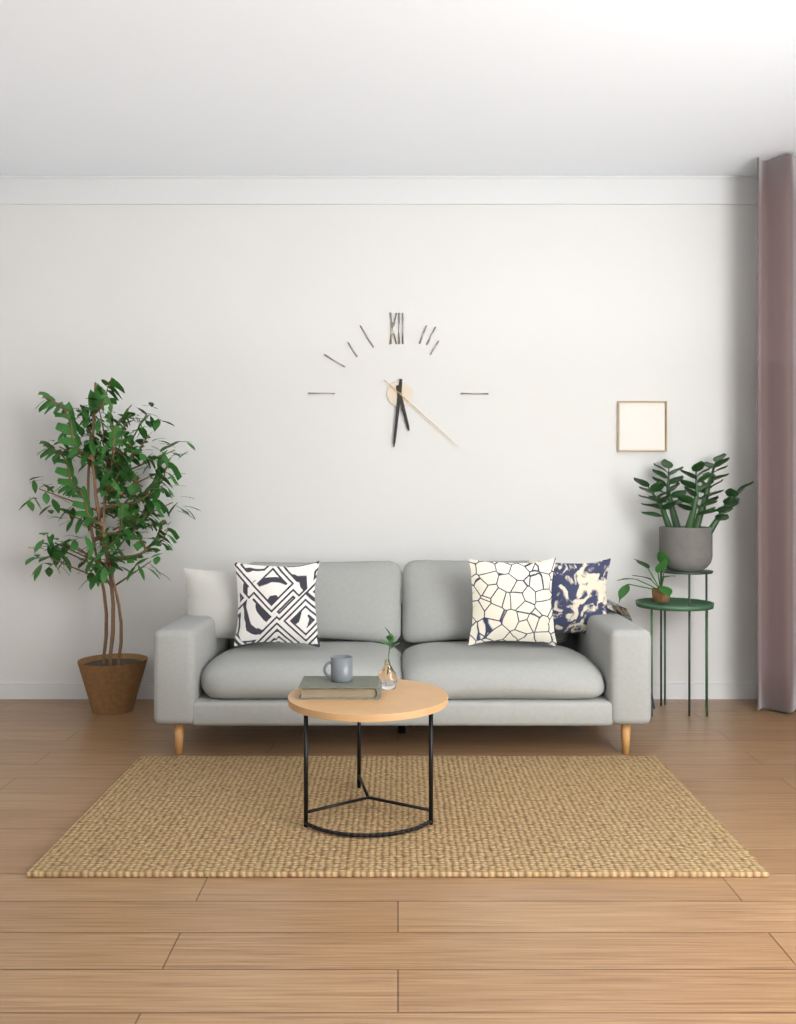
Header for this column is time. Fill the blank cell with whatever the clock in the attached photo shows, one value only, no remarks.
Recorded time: 5:31:22
